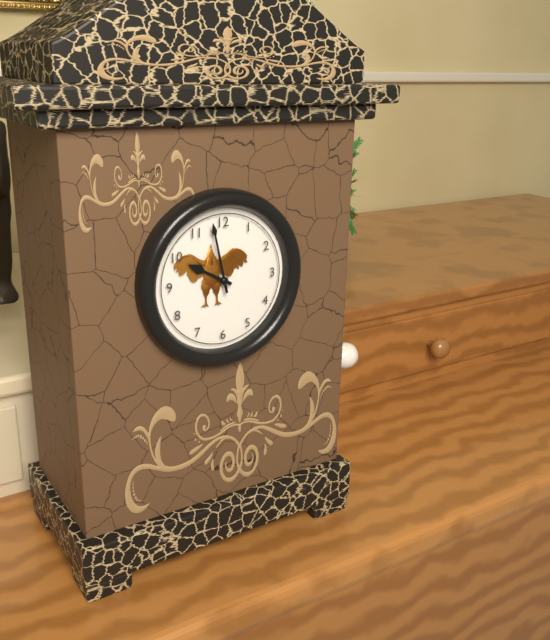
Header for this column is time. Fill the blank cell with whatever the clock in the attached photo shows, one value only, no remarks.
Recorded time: 9:58
